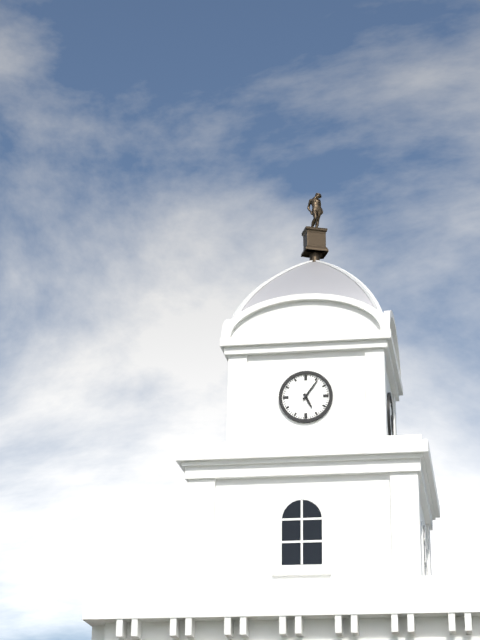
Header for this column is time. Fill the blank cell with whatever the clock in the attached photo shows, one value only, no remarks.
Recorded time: 5:06
